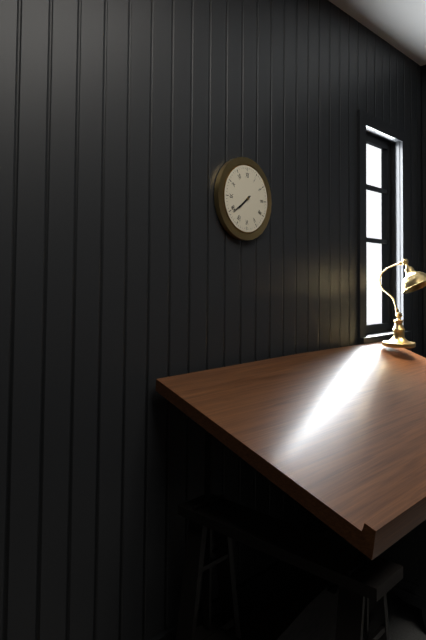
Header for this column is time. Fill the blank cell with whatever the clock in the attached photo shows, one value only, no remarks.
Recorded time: 7:39
